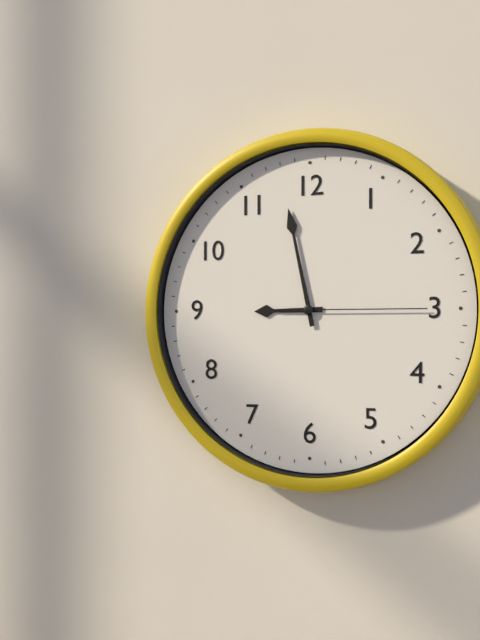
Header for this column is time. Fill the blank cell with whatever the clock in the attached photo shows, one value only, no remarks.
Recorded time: 8:58:15
